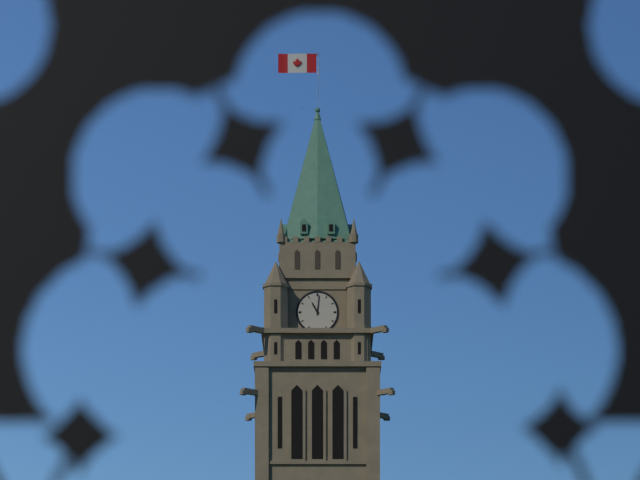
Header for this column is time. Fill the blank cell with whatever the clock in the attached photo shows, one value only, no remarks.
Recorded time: 11:01
